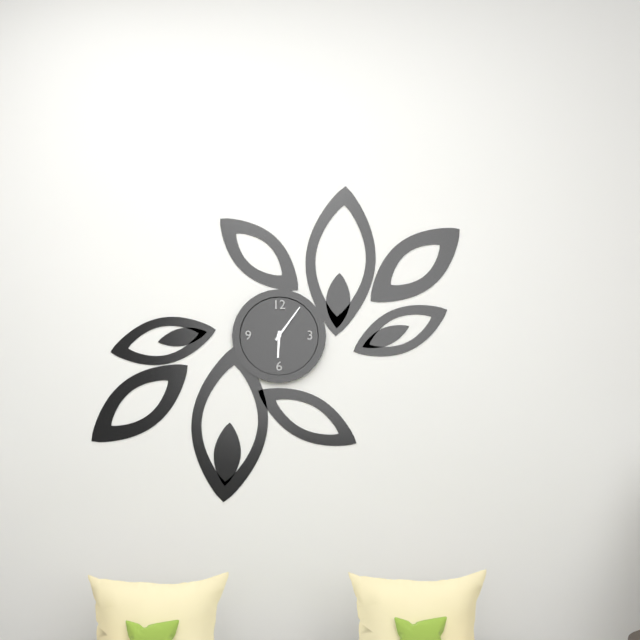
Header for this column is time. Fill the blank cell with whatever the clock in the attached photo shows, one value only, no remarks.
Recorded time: 6:06
